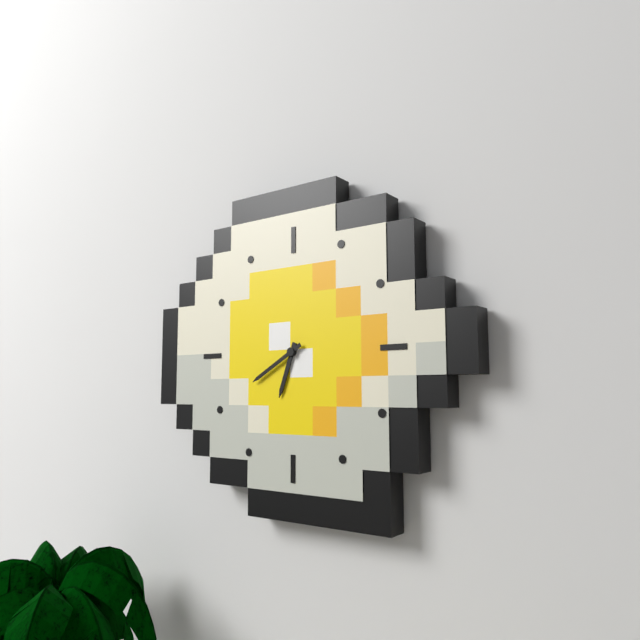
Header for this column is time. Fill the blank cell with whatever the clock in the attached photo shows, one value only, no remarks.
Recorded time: 6:40
